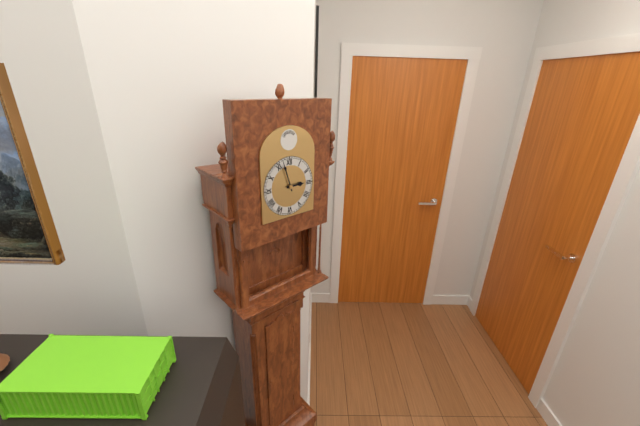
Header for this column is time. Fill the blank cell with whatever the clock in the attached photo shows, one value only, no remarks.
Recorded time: 2:57
